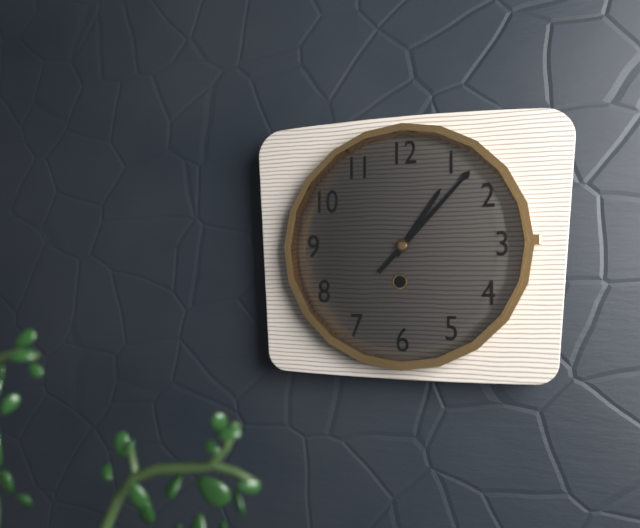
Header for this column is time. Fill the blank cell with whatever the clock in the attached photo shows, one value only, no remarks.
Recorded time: 1:07
